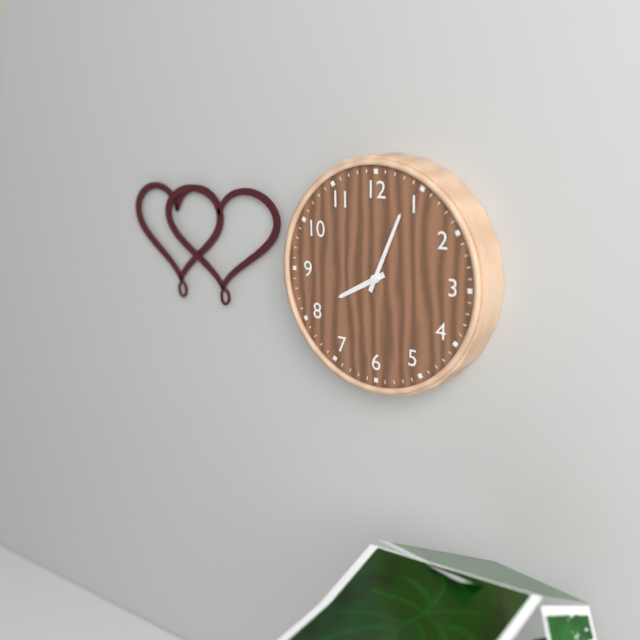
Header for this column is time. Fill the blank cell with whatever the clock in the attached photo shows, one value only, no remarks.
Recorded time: 8:04
